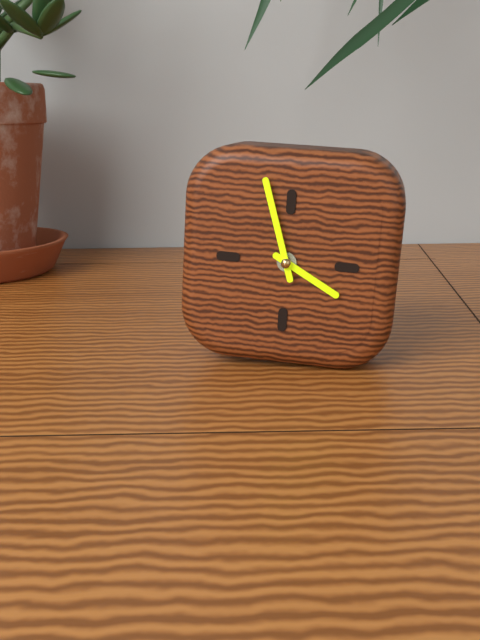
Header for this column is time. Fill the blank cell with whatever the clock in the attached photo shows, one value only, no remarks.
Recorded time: 3:57
